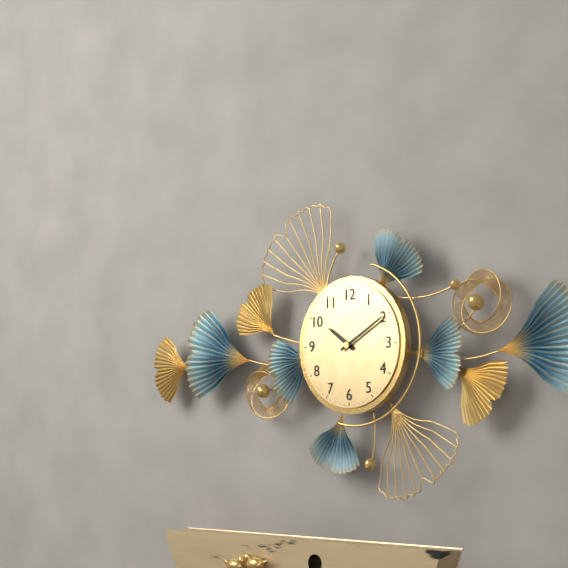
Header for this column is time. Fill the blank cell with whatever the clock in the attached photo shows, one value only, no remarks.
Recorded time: 10:10
